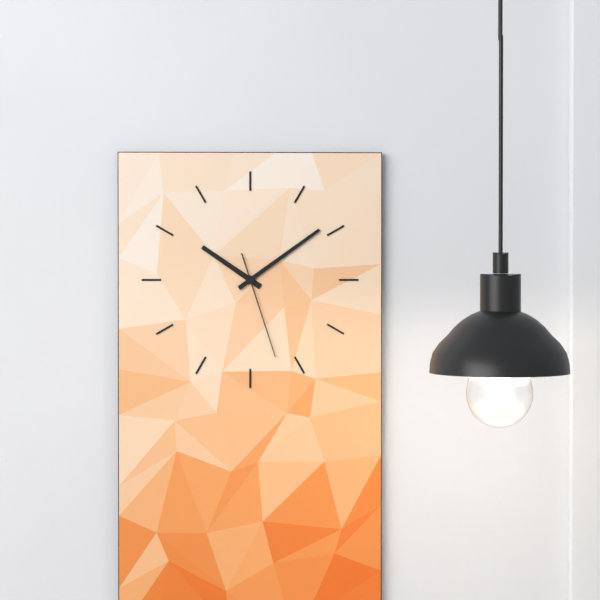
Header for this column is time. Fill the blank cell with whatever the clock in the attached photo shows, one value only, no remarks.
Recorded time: 10:09:27
